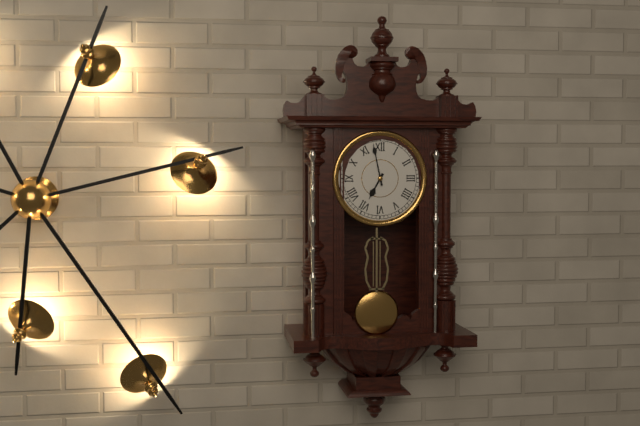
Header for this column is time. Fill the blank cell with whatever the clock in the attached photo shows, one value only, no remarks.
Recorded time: 6:58
